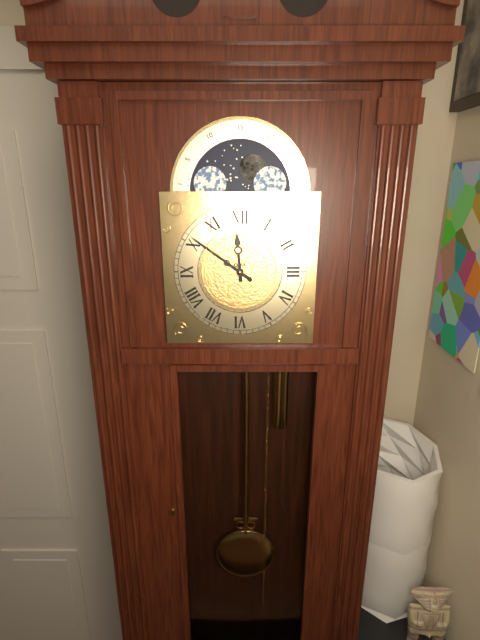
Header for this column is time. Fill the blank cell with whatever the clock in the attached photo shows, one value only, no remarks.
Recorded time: 11:51
